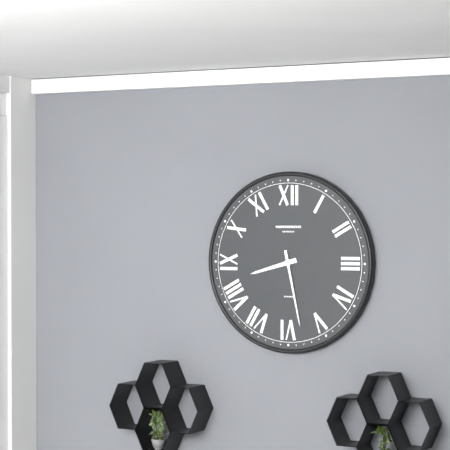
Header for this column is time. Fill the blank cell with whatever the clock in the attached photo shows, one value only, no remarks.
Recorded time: 8:28
